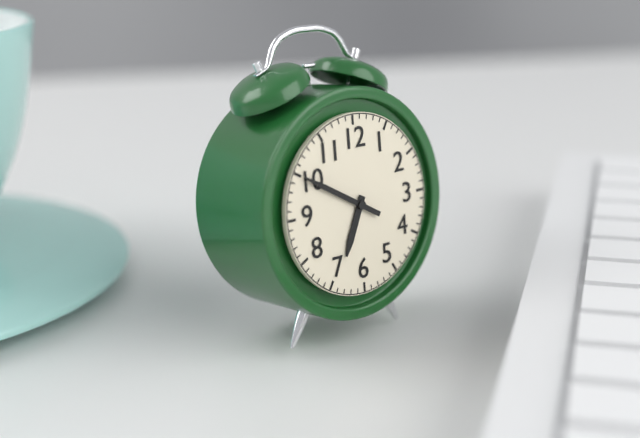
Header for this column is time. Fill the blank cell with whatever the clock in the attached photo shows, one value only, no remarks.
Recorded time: 6:50
